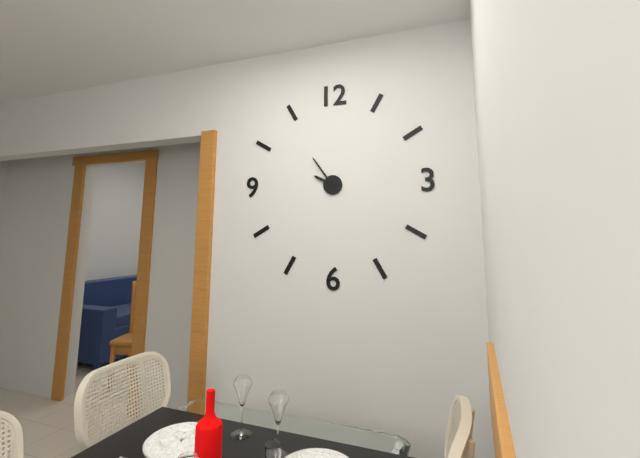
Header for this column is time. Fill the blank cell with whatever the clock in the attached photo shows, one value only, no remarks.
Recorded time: 9:54
